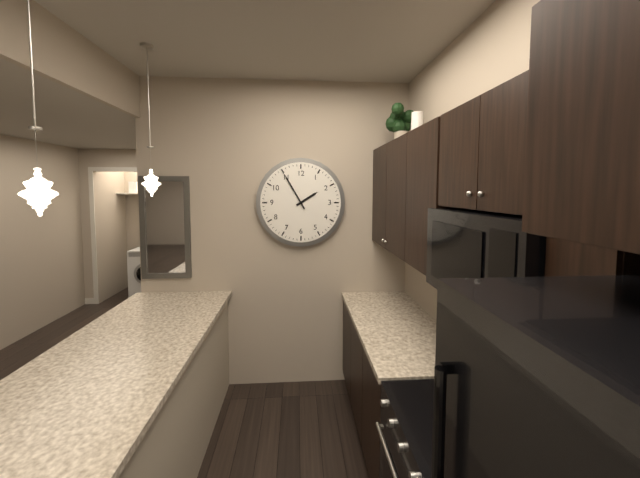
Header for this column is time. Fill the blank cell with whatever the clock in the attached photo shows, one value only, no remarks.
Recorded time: 1:55
